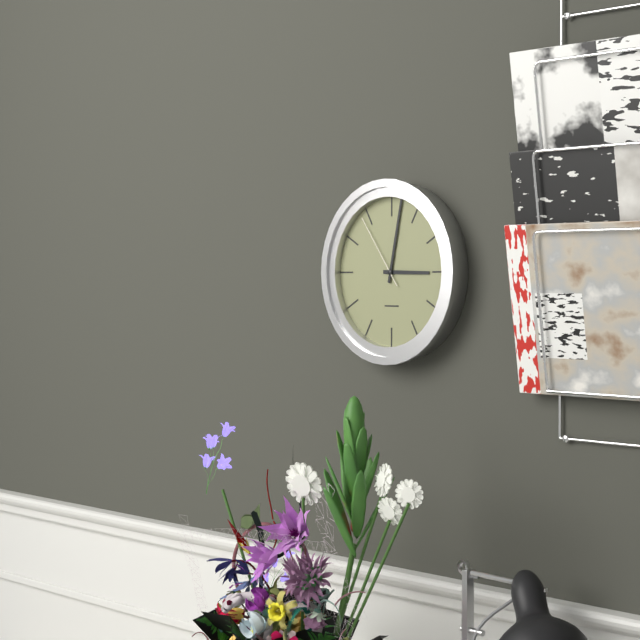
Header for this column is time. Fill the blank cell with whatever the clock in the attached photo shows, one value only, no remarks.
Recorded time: 3:02:54
